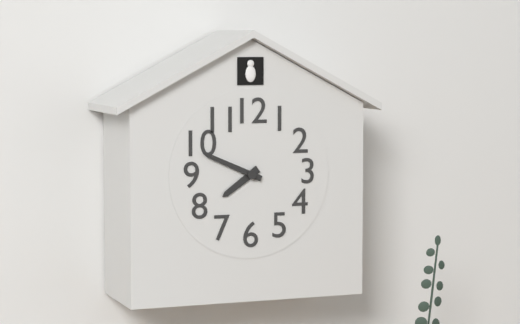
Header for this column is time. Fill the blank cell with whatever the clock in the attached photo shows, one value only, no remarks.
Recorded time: 7:49
